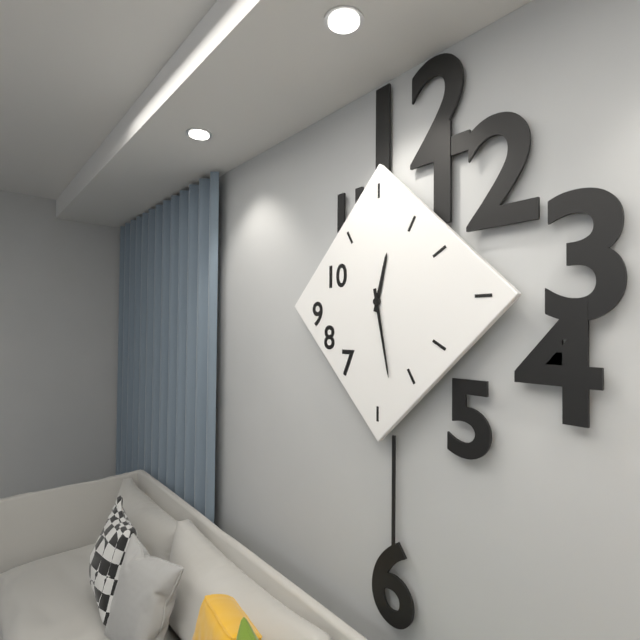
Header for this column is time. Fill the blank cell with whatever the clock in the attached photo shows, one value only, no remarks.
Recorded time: 12:28
